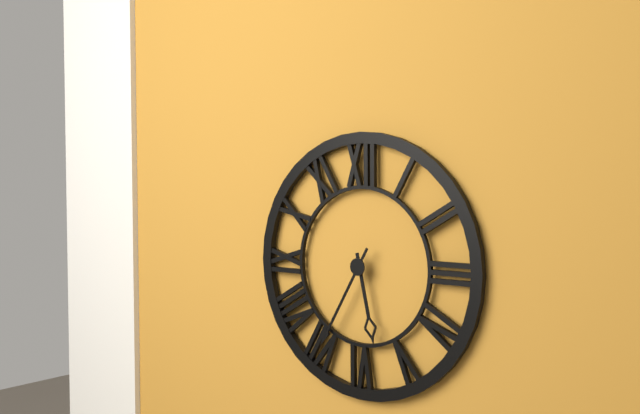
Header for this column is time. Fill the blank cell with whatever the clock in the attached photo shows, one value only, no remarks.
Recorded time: 5:35
